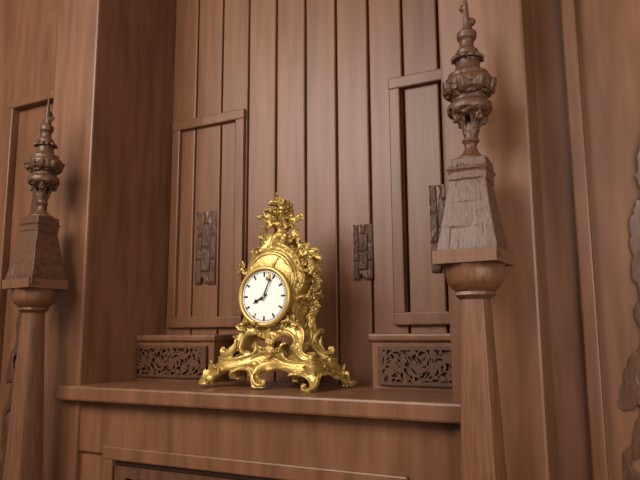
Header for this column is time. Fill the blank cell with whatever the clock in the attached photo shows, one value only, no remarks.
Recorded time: 8:04
